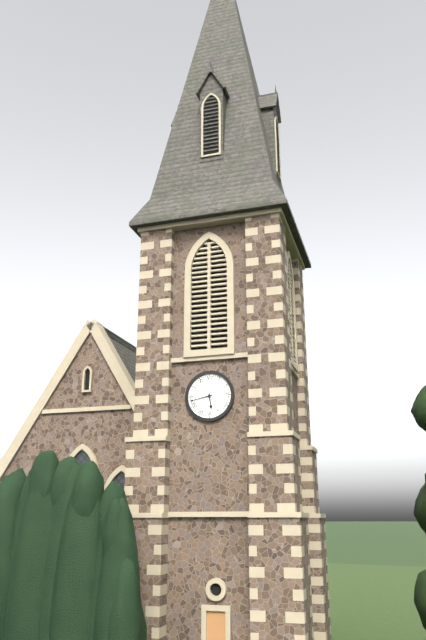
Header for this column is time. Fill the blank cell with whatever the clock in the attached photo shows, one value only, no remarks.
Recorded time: 5:43
